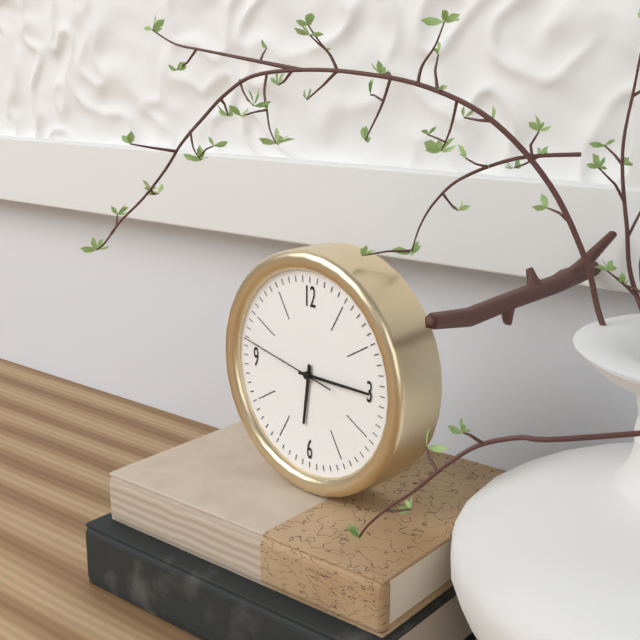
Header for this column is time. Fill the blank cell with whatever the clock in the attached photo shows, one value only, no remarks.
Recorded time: 6:15:47
